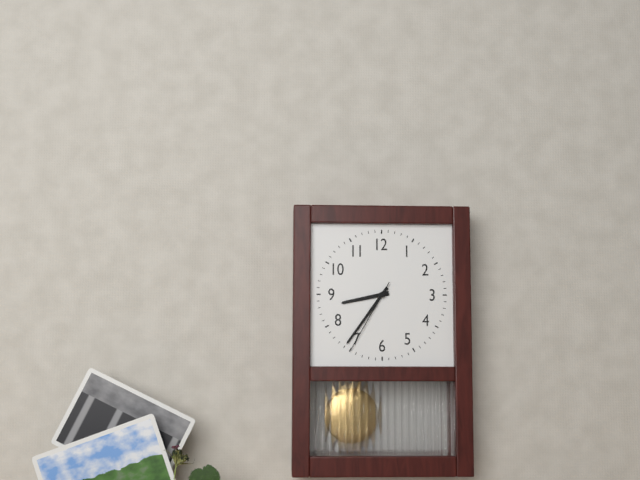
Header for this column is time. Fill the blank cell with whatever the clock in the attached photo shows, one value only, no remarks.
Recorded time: 8:36:35
